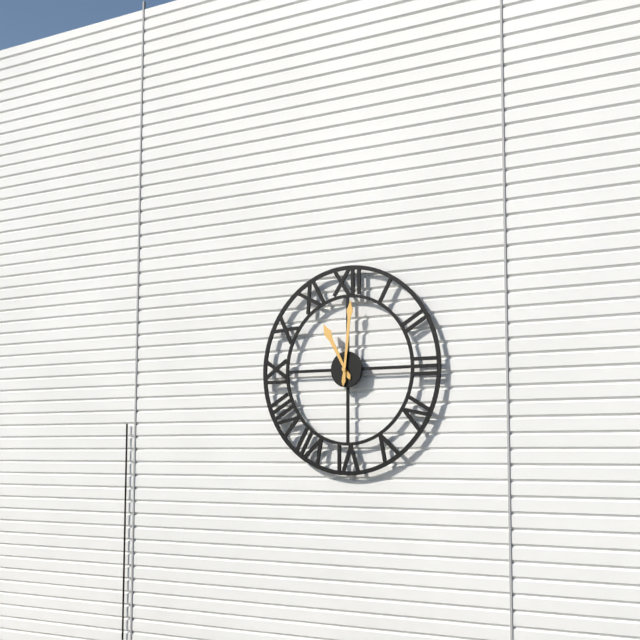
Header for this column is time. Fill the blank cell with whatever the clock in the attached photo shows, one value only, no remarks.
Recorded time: 11:01
